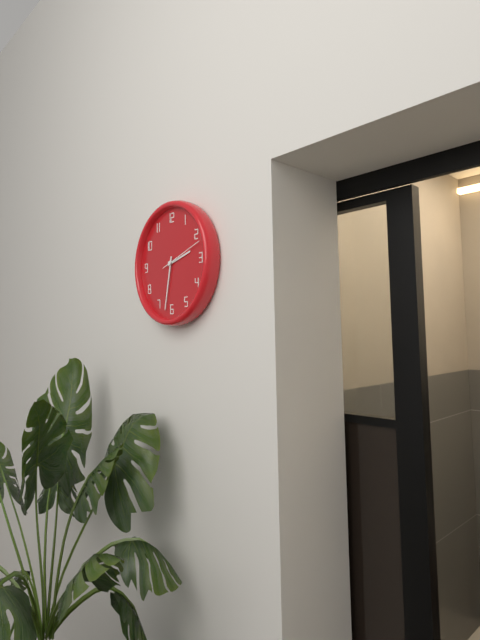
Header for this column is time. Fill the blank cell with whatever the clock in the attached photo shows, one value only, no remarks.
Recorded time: 2:32
